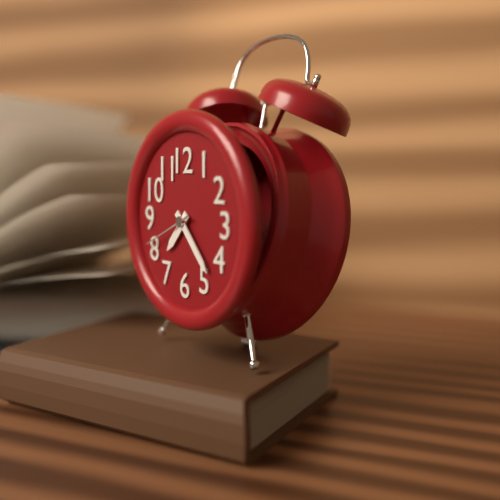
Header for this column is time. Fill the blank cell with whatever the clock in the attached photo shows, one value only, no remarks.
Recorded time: 7:23:41
